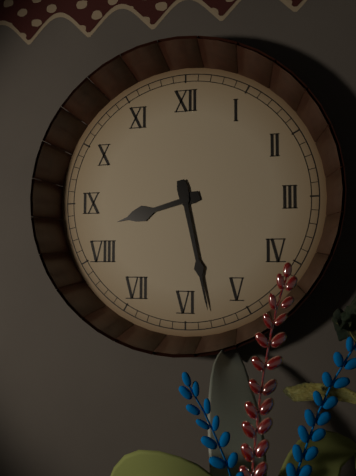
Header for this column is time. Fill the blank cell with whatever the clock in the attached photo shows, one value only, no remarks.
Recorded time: 8:28
